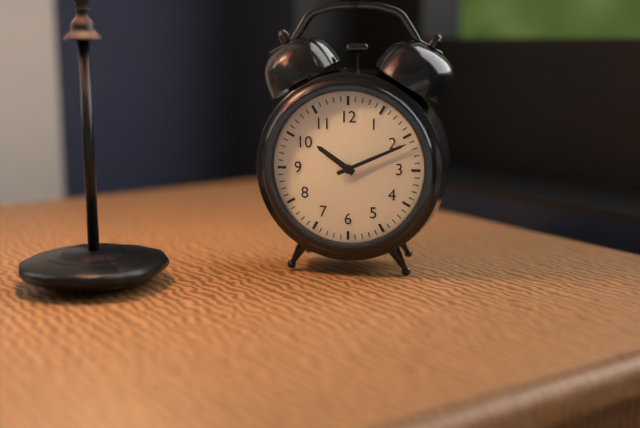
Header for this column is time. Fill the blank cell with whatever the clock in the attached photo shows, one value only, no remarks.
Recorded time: 10:11
